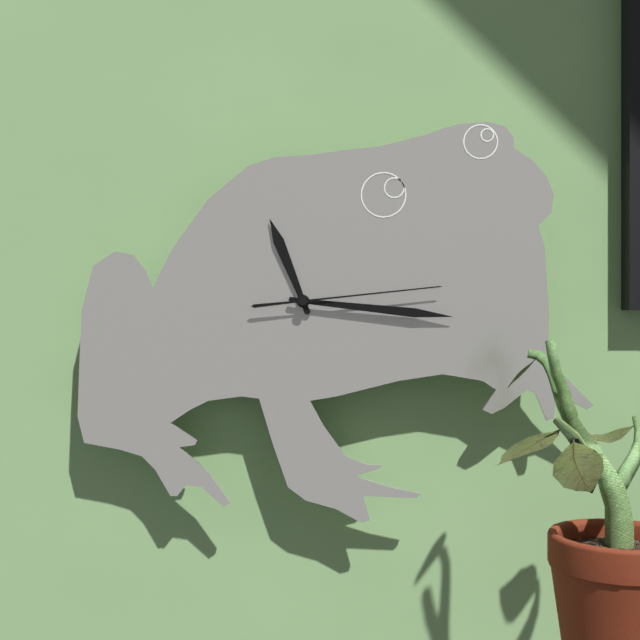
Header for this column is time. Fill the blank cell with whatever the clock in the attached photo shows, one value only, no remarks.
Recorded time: 11:16:14
